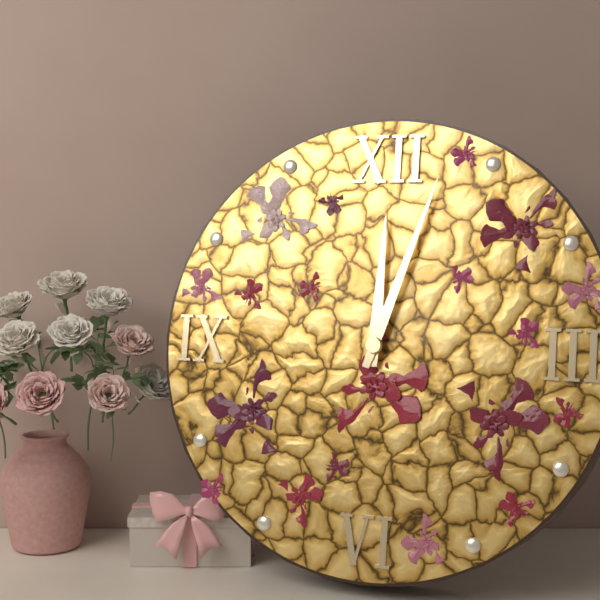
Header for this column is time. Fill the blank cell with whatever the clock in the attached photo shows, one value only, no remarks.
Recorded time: 12:03
